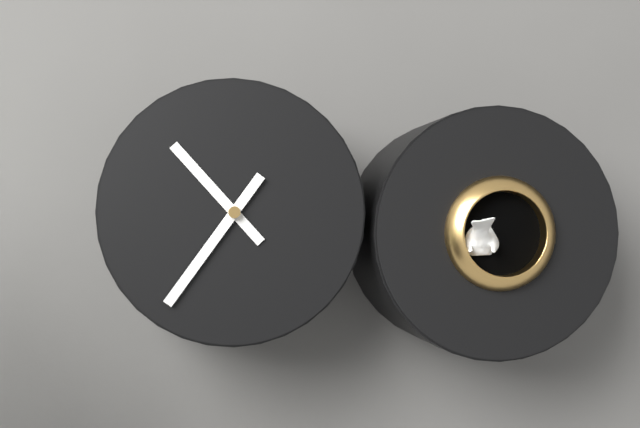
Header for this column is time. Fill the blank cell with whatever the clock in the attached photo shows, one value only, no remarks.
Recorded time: 10:36
